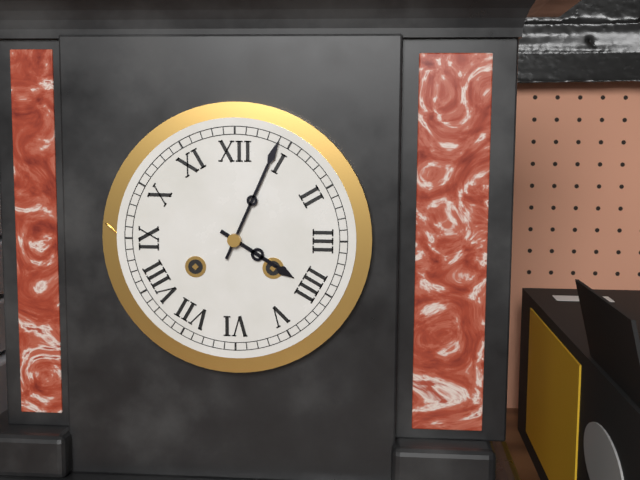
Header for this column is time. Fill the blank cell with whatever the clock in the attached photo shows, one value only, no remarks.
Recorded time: 4:04
